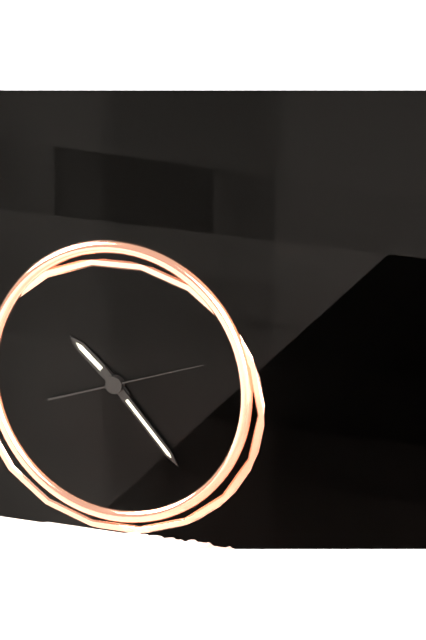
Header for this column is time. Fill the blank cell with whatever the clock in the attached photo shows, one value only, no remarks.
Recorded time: 10:23:12
